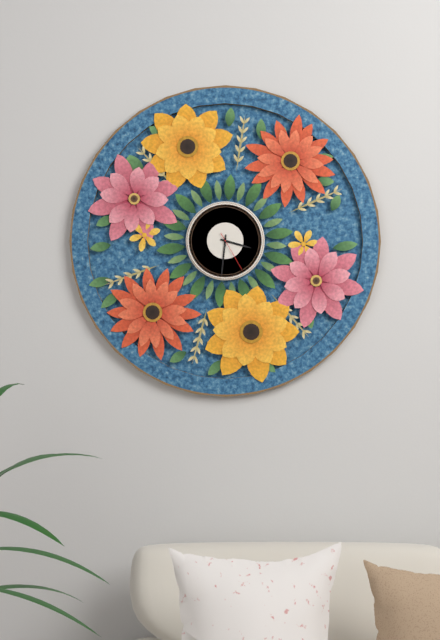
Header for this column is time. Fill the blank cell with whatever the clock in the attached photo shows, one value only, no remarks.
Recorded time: 3:31
